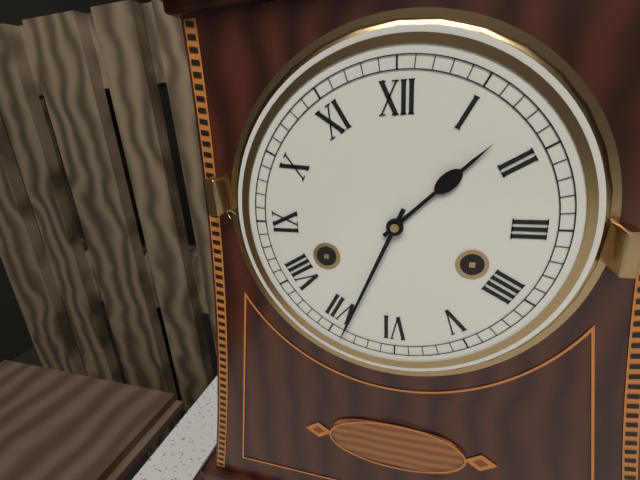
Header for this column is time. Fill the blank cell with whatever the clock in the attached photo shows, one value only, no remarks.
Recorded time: 1:34
